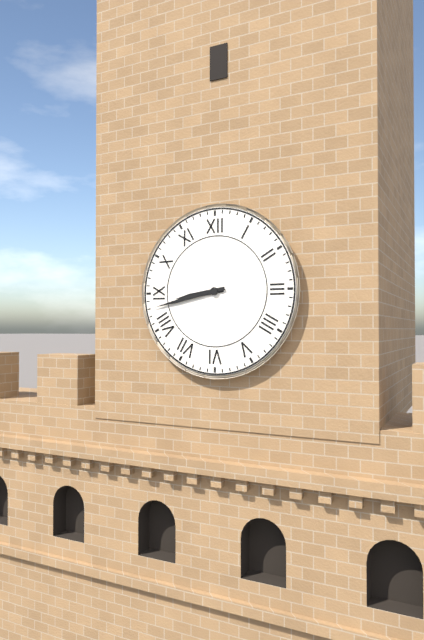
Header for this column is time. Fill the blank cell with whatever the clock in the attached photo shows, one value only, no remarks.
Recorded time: 8:43
